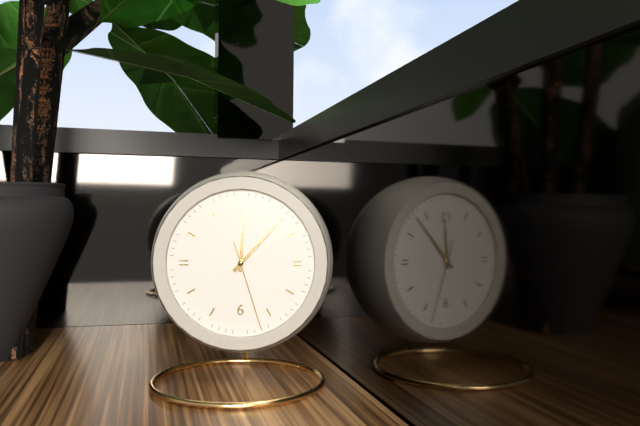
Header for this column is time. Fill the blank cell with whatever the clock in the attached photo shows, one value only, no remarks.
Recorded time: 12:07:27
